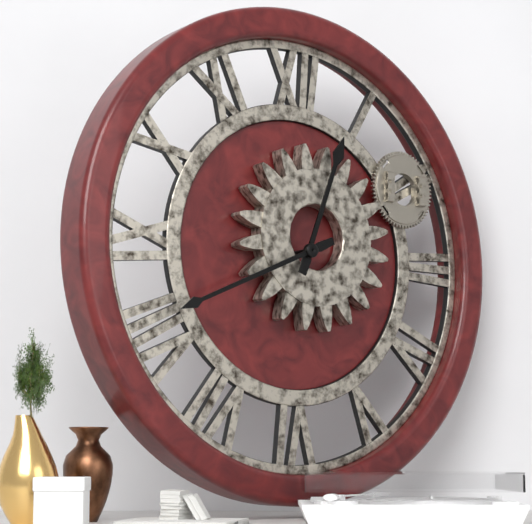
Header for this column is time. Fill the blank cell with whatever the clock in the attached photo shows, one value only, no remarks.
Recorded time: 12:41
